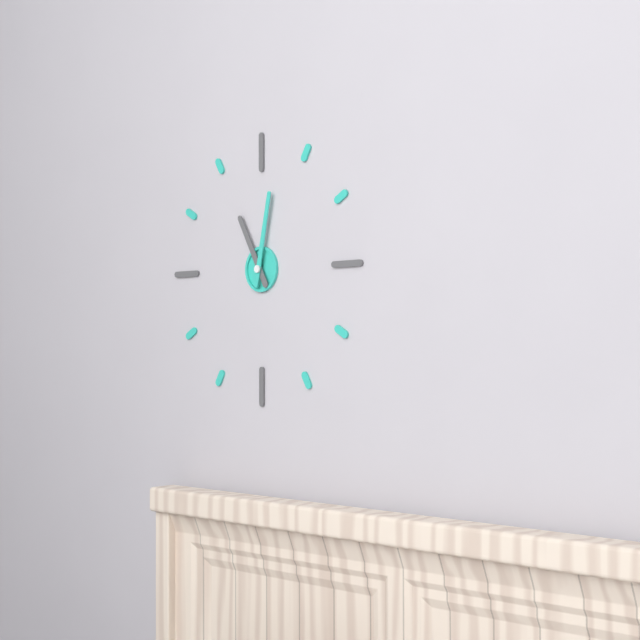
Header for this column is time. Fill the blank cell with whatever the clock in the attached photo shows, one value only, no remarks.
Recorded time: 11:02
